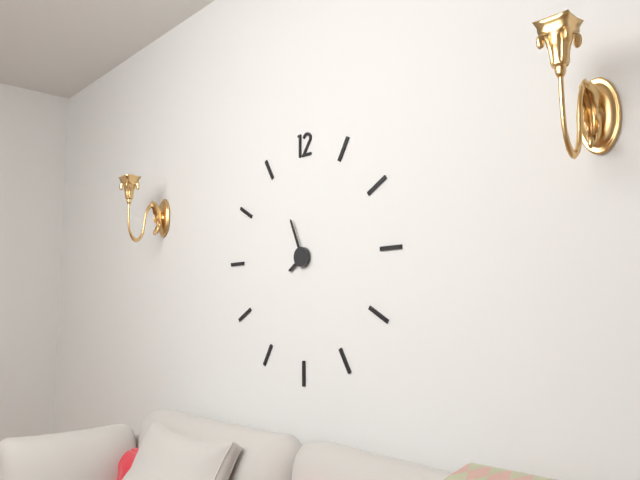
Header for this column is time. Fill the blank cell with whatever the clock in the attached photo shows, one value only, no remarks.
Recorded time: 7:56
